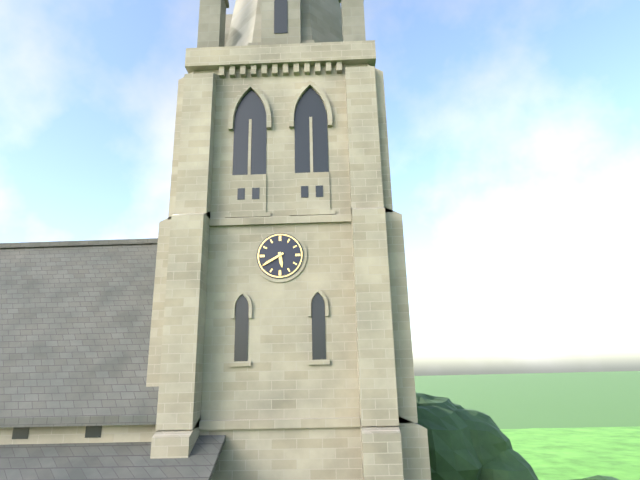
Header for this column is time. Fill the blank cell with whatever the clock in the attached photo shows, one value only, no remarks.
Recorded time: 5:40
